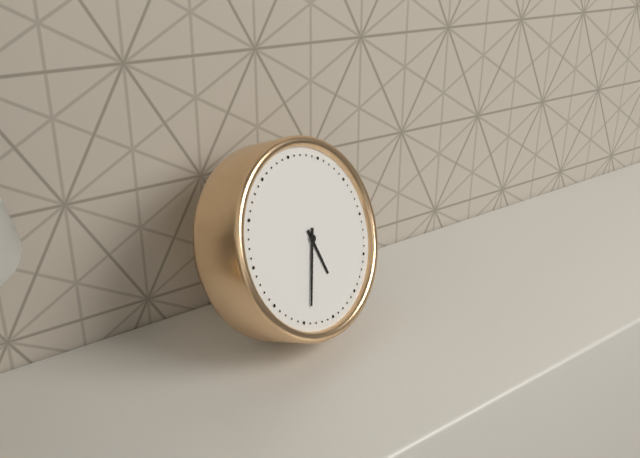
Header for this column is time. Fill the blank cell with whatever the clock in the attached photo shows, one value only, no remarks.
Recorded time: 5:34
